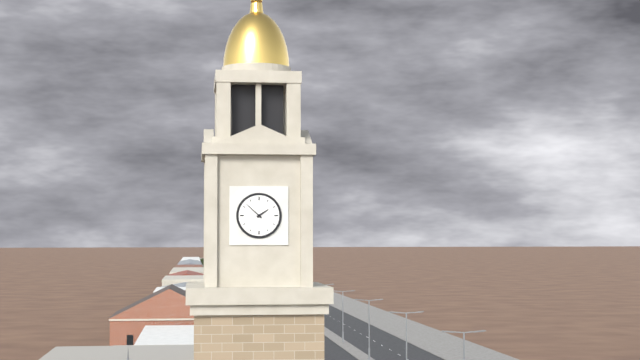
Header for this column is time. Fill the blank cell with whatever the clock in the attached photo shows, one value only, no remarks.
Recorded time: 1:52
